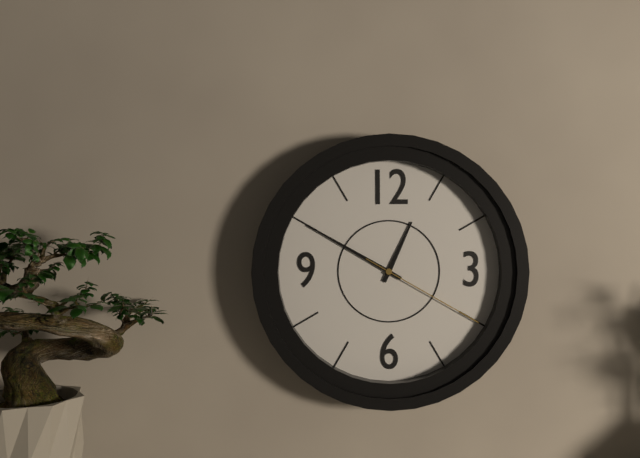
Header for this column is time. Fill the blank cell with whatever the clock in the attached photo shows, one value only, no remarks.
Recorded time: 12:50:20
